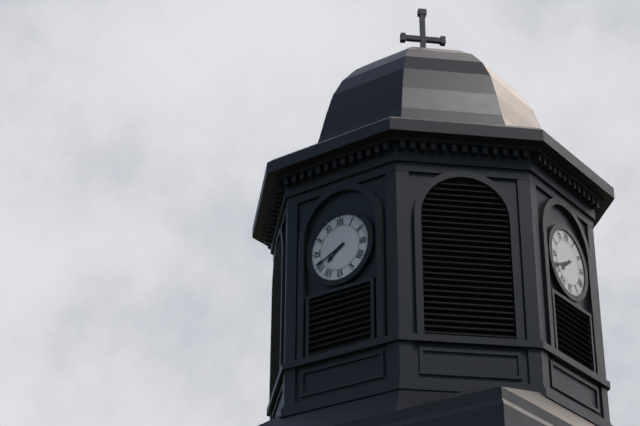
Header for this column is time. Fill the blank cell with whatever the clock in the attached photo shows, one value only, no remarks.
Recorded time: 7:41
